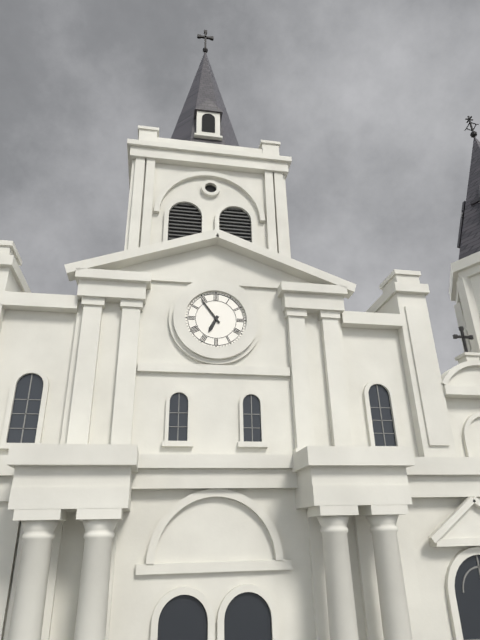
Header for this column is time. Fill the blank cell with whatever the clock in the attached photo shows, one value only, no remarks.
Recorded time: 6:54
